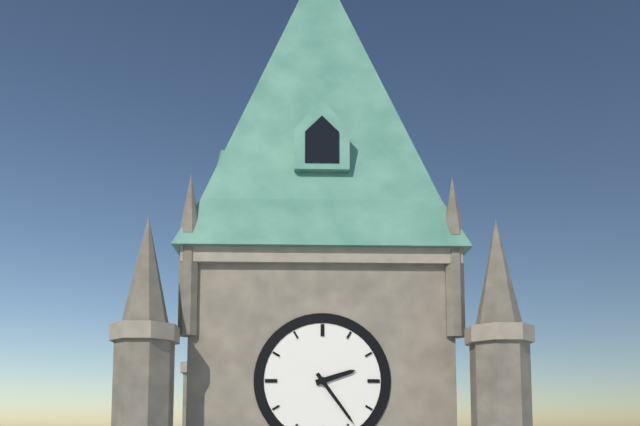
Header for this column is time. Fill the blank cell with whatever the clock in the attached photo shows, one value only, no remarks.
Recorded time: 2:24
